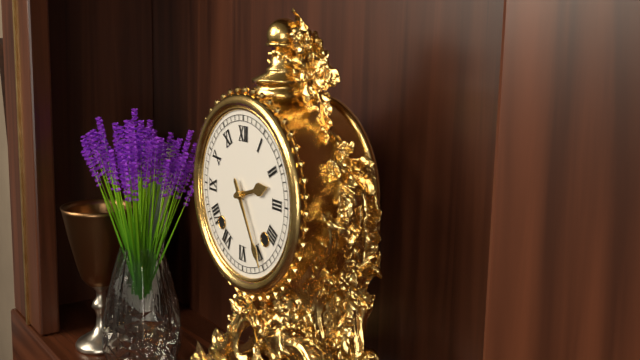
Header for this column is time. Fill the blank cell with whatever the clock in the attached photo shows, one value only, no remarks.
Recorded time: 2:25
